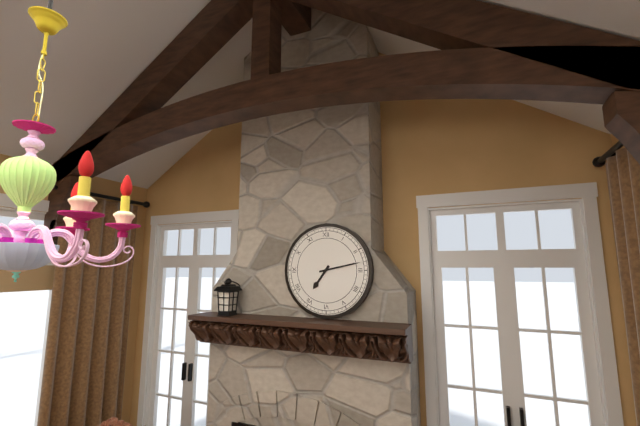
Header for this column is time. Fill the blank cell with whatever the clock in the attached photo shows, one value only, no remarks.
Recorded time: 7:13
